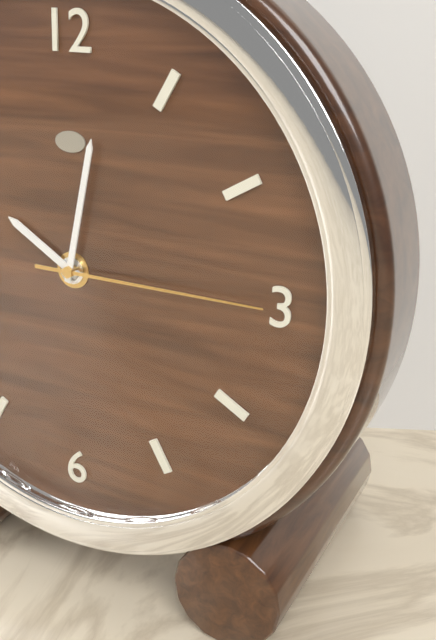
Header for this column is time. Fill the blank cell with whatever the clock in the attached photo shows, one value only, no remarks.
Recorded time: 10:02:15
